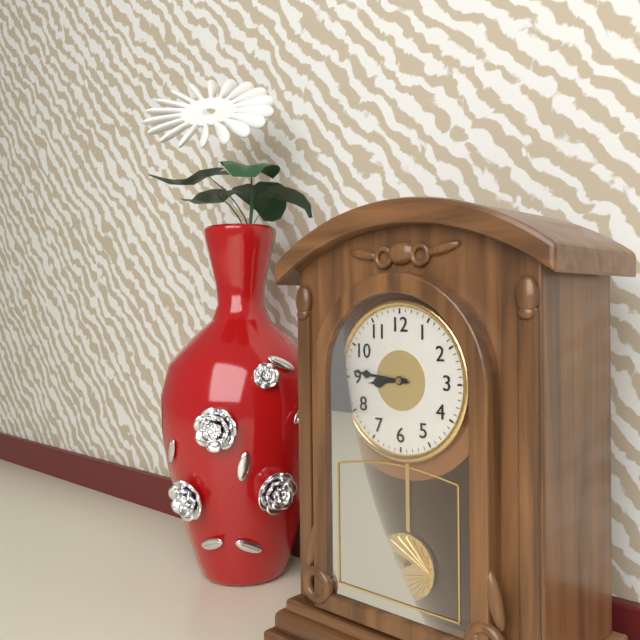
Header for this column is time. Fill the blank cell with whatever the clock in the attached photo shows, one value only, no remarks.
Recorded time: 8:46
